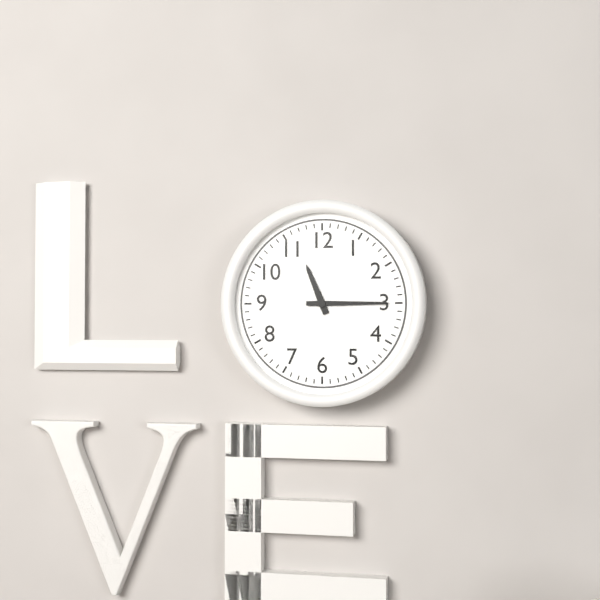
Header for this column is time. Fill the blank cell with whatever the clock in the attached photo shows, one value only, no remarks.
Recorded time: 11:15
